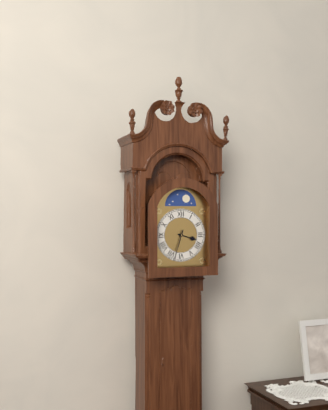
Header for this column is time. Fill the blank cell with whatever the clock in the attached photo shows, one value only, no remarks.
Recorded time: 3:33
